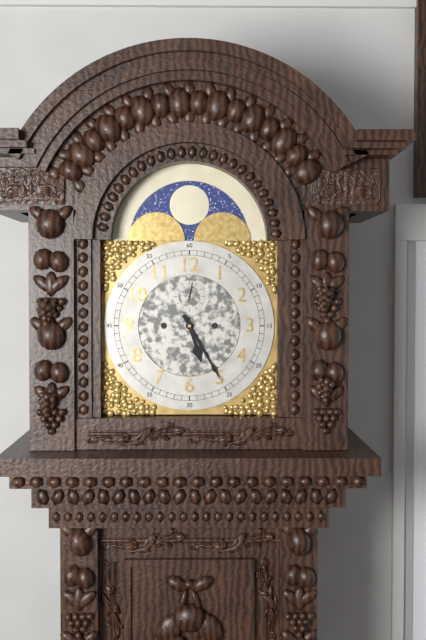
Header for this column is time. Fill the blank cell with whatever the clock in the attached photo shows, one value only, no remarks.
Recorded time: 5:25
